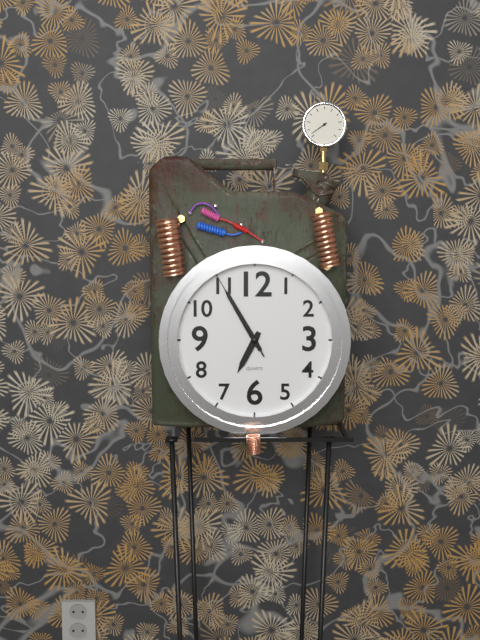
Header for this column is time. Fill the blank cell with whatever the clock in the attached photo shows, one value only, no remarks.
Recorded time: 6:55:55
